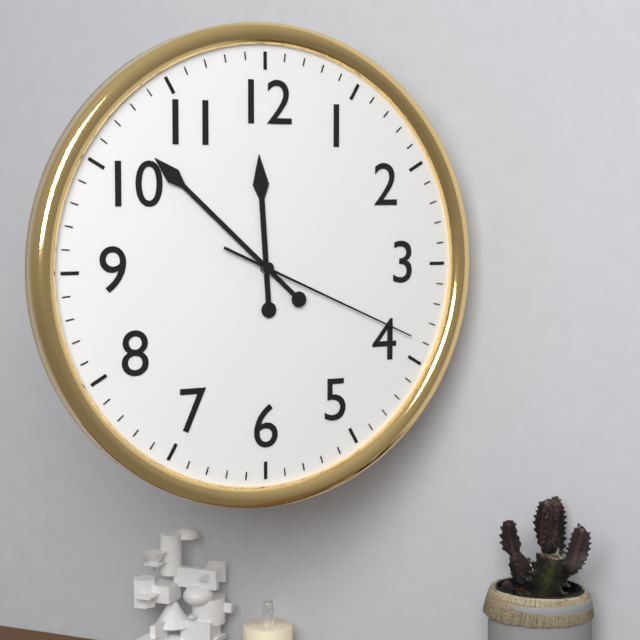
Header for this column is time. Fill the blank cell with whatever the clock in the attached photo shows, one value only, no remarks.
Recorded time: 11:52:19
